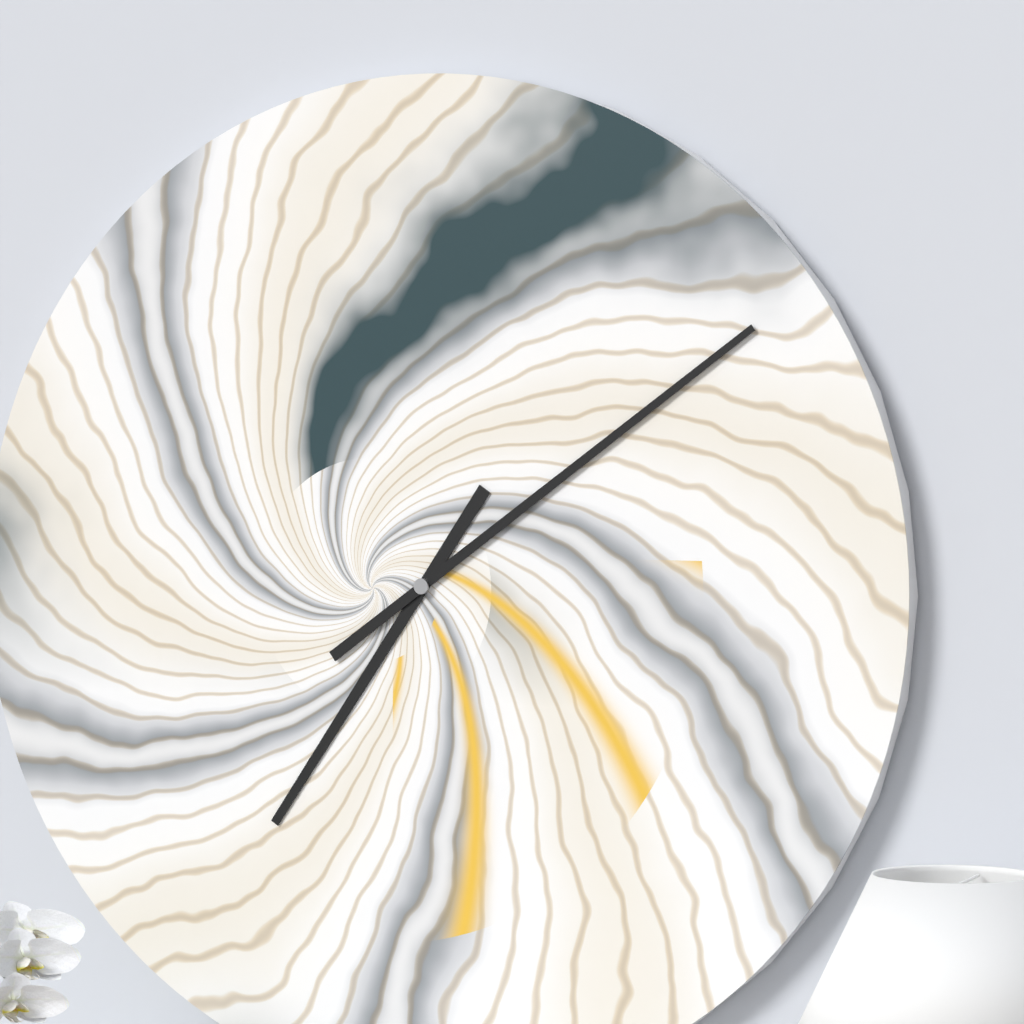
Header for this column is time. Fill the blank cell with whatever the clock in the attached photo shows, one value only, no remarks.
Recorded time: 7:09
